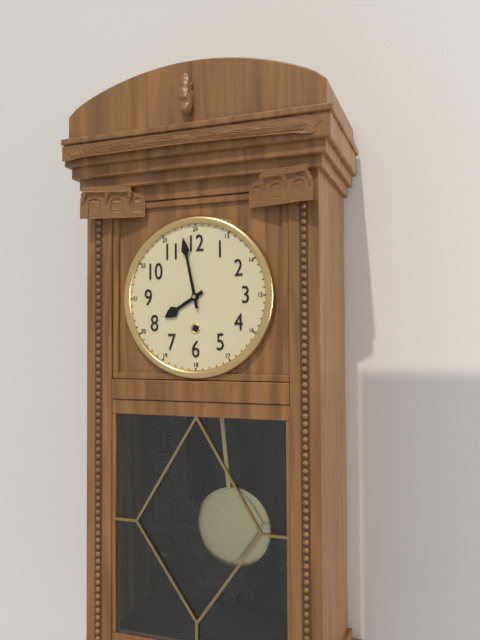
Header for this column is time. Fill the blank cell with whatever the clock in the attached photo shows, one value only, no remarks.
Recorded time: 7:58
